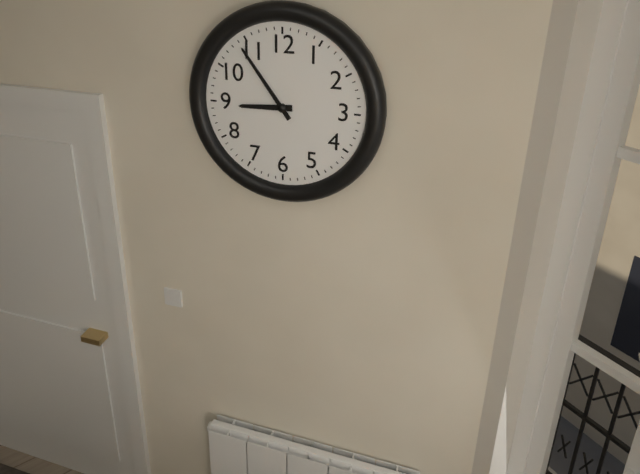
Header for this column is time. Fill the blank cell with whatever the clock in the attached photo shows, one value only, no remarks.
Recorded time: 8:54
